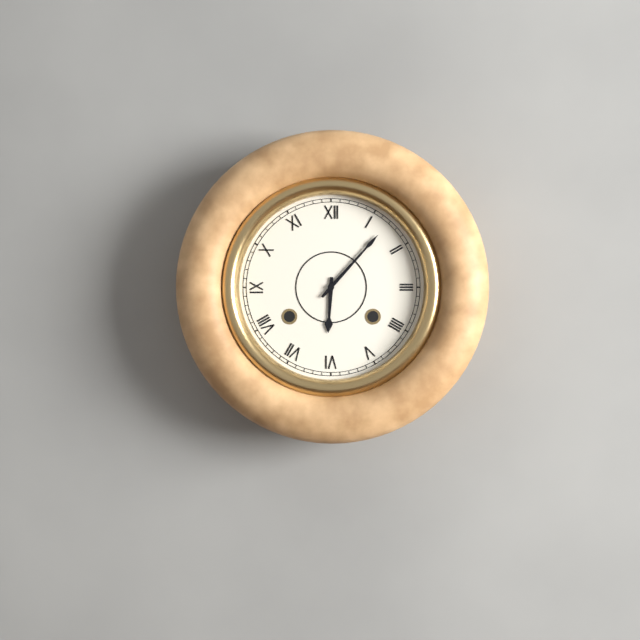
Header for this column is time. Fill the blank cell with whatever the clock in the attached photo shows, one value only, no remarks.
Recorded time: 6:07
